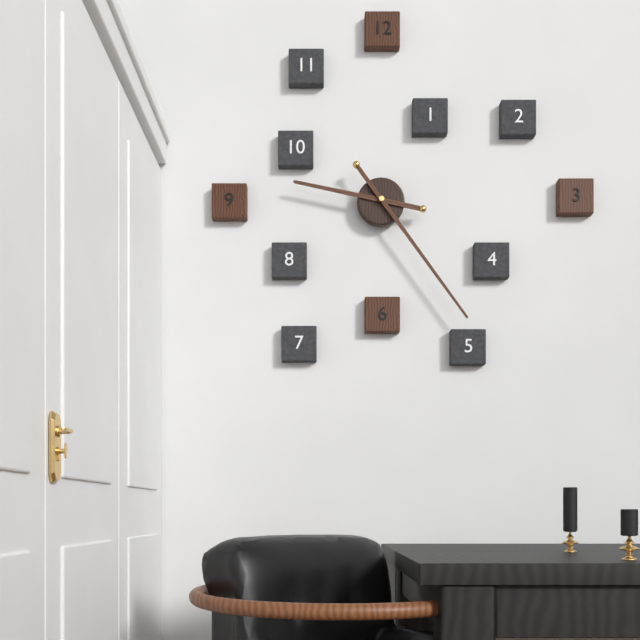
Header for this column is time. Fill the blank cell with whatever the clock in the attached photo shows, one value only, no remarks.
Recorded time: 9:24
